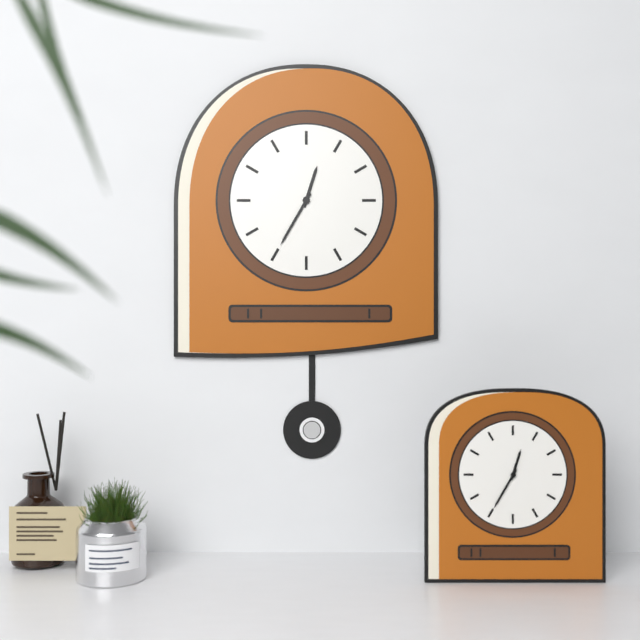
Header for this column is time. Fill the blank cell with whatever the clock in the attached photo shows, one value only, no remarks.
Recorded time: 12:35
